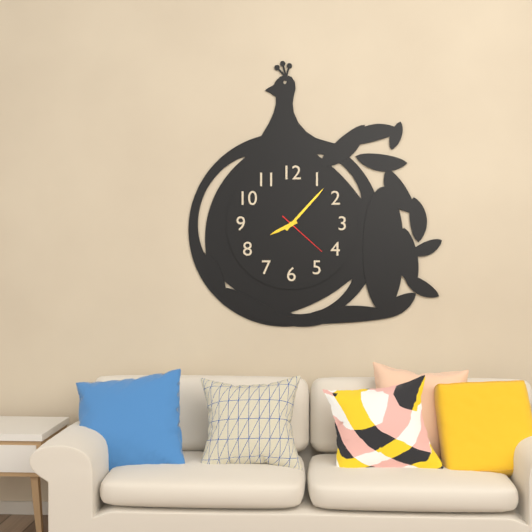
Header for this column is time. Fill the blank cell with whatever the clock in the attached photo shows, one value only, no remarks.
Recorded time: 8:07:22
